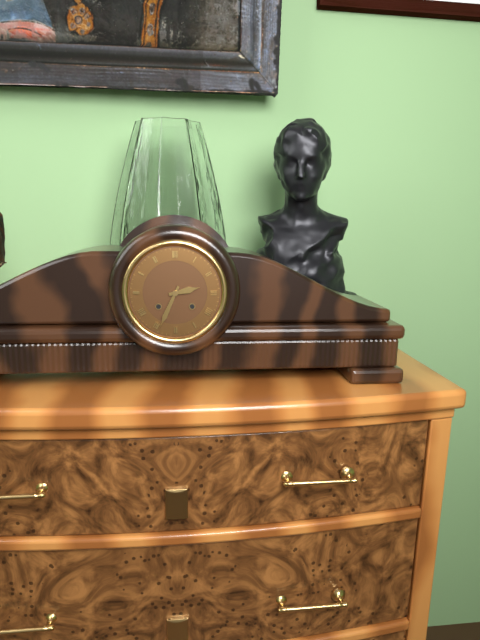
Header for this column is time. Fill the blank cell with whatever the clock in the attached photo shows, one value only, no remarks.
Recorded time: 2:34
